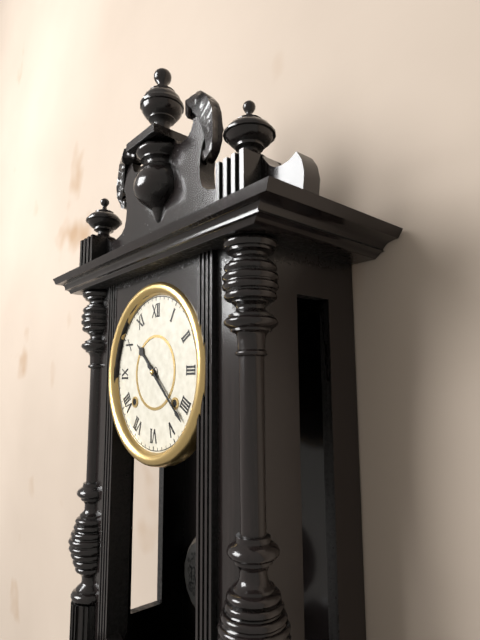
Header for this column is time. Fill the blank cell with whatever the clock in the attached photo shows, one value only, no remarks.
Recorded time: 10:22
